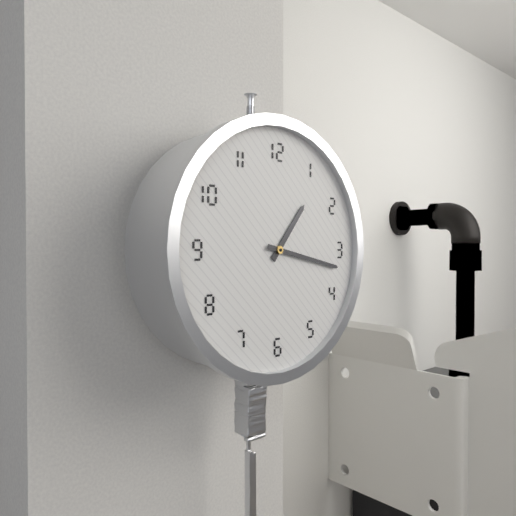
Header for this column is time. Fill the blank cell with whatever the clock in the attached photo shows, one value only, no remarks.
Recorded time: 1:17
